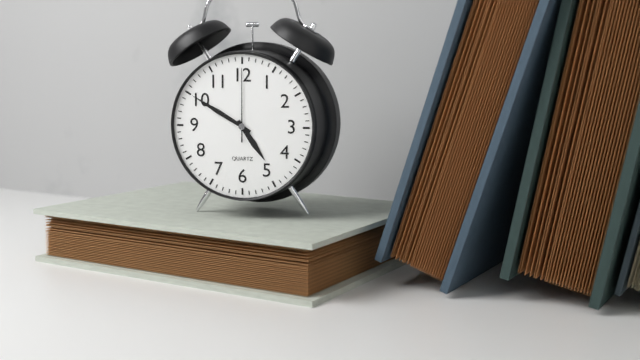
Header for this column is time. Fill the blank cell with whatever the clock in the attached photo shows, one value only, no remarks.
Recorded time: 4:50:00
